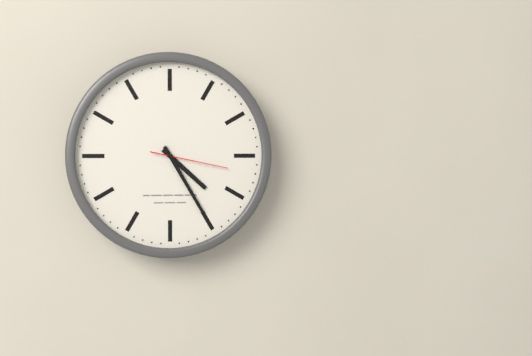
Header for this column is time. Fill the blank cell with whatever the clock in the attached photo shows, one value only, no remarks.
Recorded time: 4:25:17
